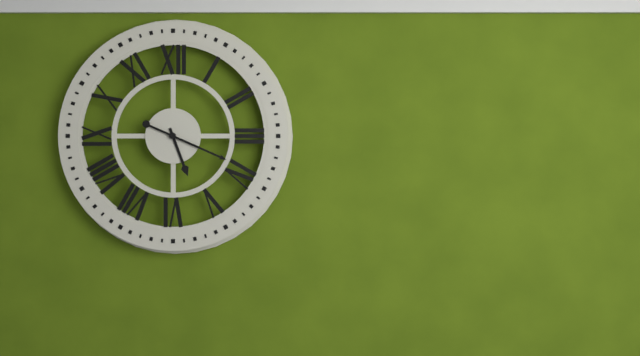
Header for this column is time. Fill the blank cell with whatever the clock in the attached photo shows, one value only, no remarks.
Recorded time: 5:19
